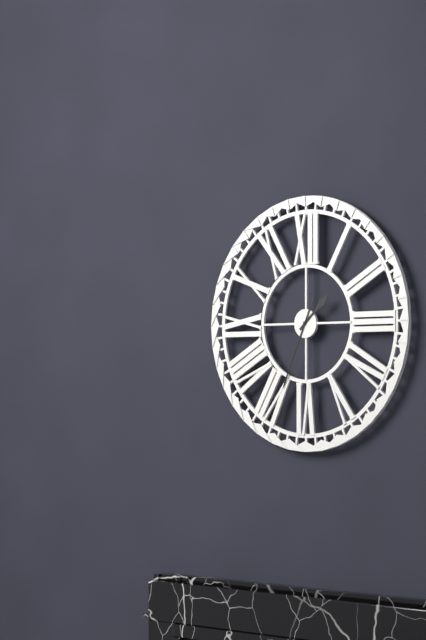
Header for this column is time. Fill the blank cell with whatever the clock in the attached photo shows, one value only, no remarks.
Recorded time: 1:34
